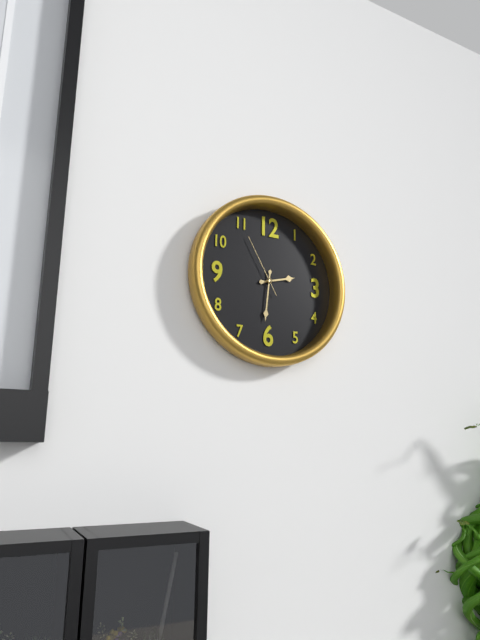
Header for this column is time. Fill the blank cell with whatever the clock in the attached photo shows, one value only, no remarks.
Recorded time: 2:31:55
